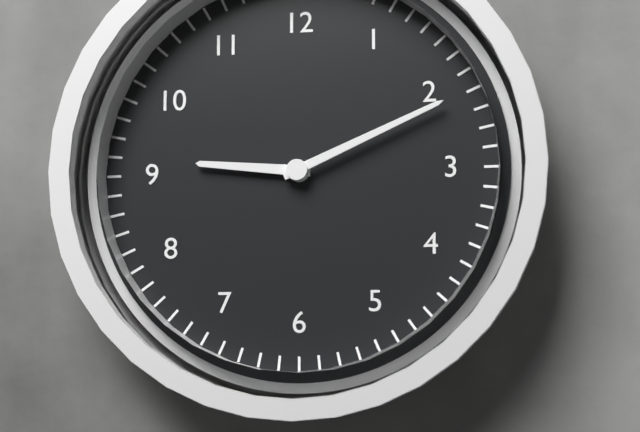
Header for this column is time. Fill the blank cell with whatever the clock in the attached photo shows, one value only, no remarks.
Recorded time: 9:11
